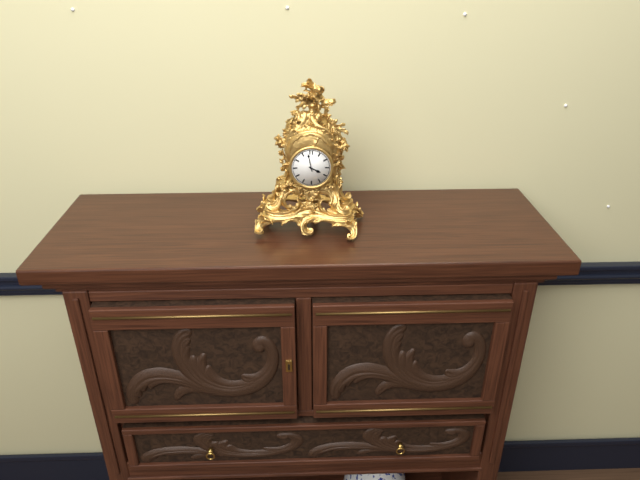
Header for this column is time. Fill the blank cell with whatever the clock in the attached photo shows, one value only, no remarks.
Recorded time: 3:58
